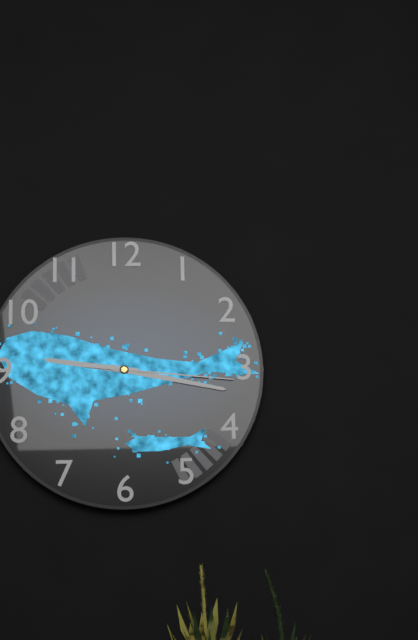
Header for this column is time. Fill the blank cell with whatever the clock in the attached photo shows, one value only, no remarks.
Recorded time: 9:17:16
